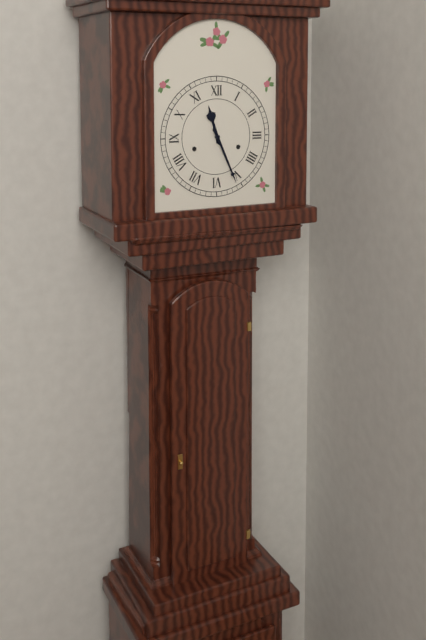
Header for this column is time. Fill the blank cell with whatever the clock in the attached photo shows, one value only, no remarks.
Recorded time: 11:26
